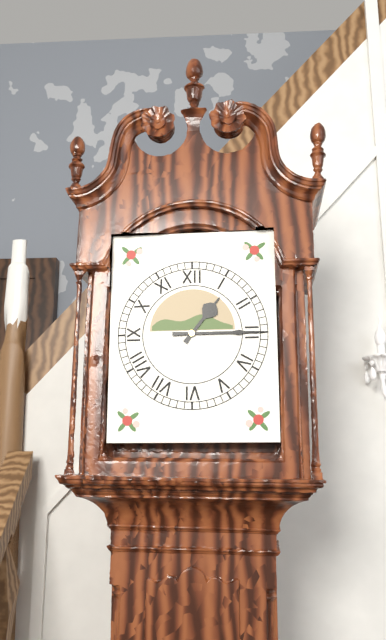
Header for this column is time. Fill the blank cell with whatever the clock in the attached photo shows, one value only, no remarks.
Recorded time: 1:15
